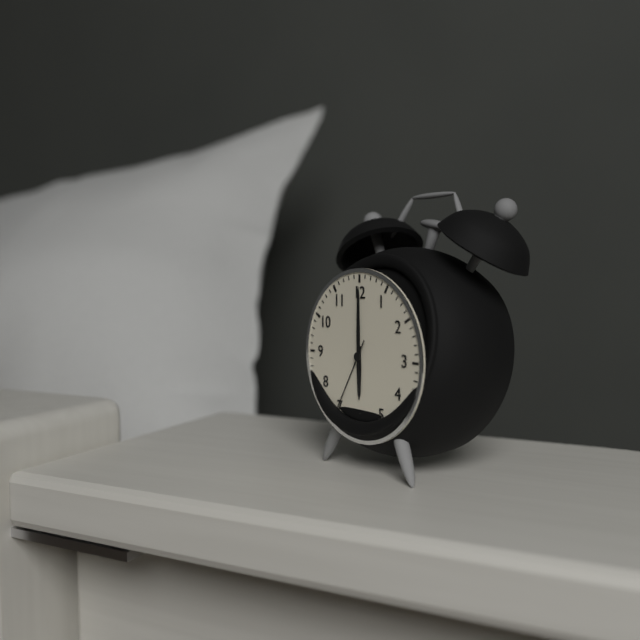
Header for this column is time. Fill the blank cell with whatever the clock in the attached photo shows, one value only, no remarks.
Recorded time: 6:00:35
